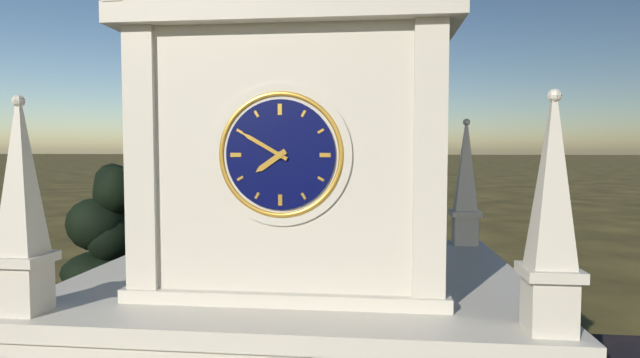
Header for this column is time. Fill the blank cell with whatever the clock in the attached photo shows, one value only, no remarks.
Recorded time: 7:50
